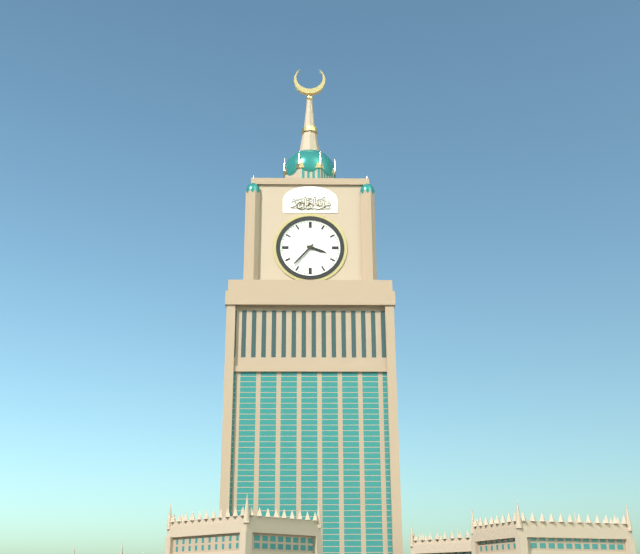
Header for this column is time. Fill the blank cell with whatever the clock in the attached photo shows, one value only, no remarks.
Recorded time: 3:37
